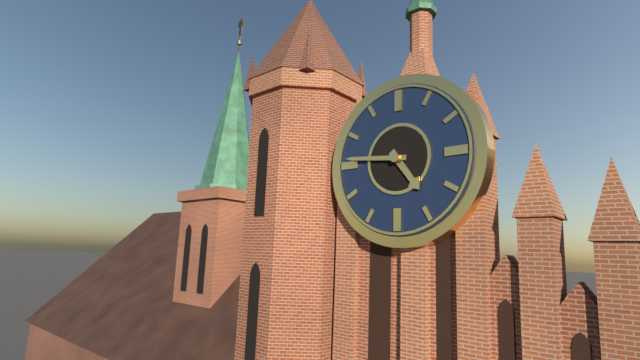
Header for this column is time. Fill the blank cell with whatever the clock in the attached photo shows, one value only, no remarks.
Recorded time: 4:46
